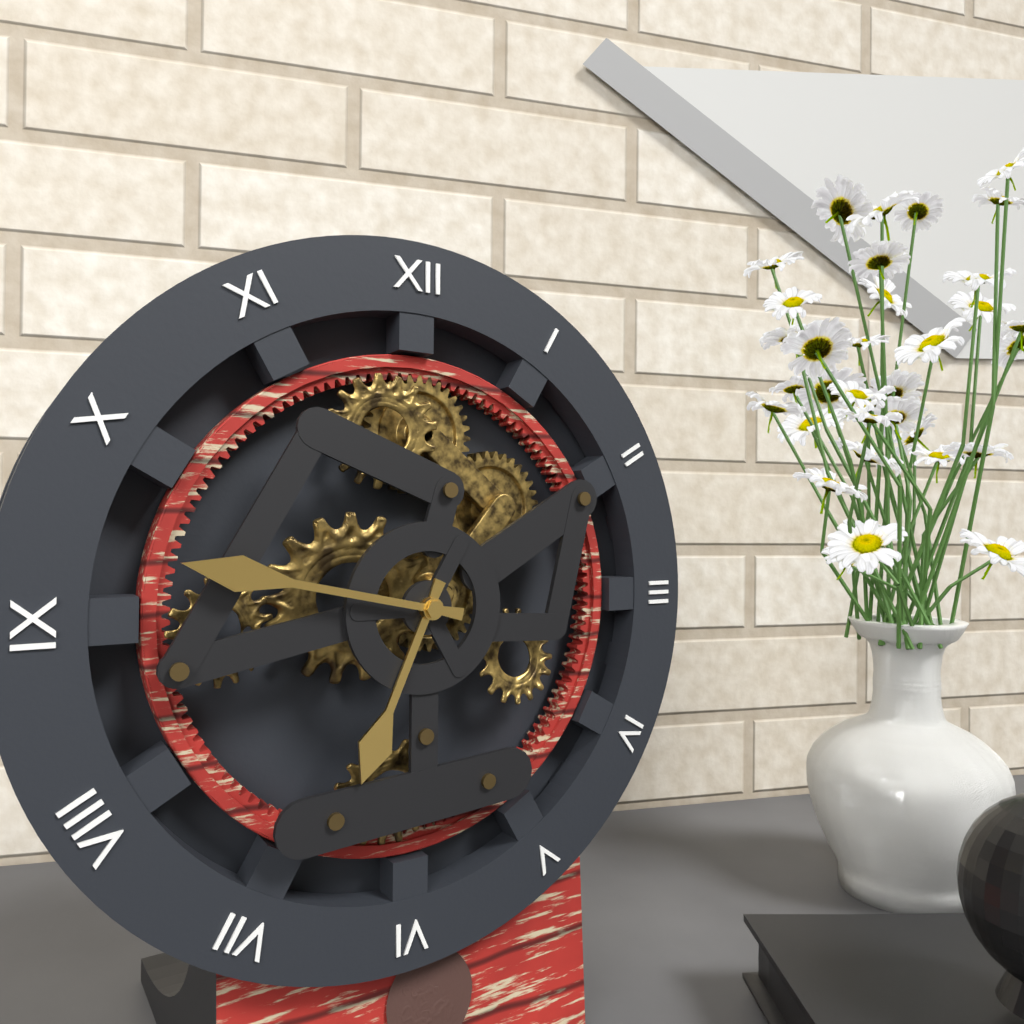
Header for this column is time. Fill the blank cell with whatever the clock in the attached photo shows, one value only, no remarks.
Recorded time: 6:47
